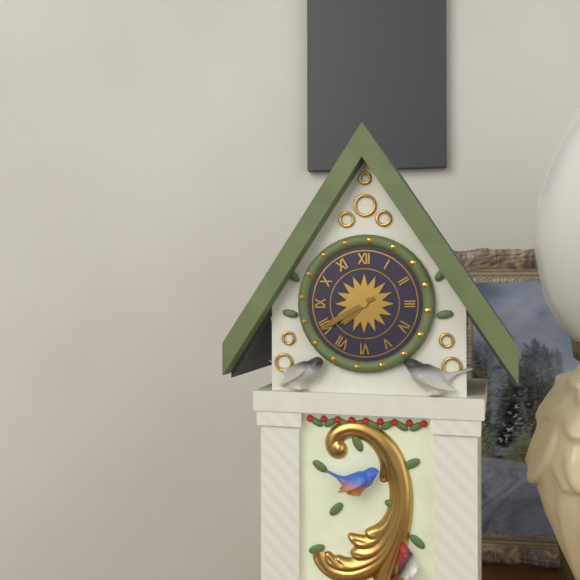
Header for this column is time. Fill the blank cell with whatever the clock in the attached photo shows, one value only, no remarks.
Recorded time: 7:40
